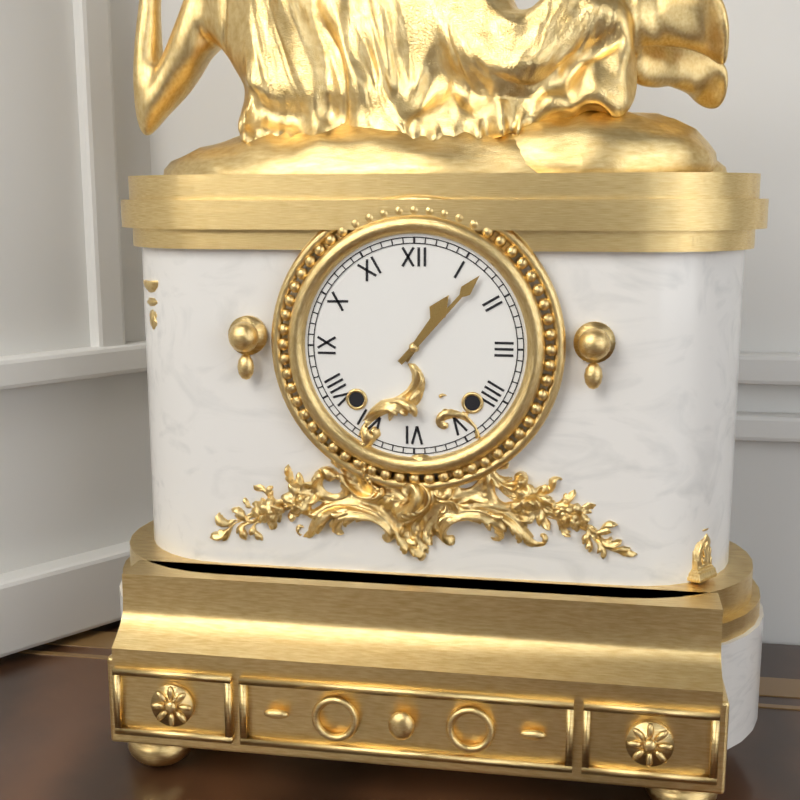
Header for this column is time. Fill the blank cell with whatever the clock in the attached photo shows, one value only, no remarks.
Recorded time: 1:07
